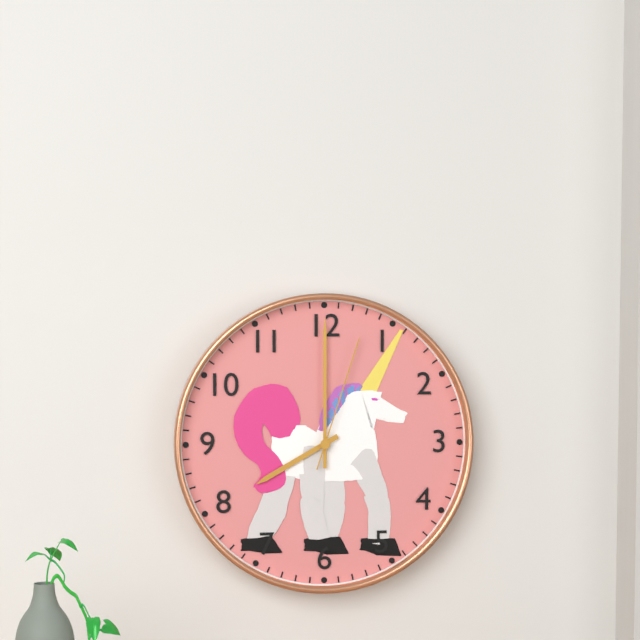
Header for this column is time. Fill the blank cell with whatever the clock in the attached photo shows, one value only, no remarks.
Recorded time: 8:00:03
